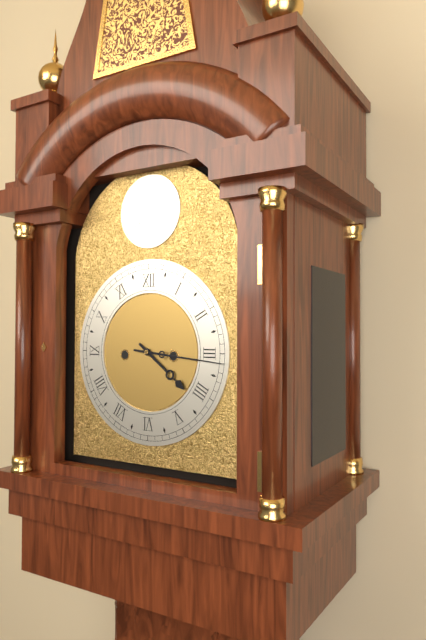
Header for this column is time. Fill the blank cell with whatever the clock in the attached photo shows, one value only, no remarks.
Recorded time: 4:16
